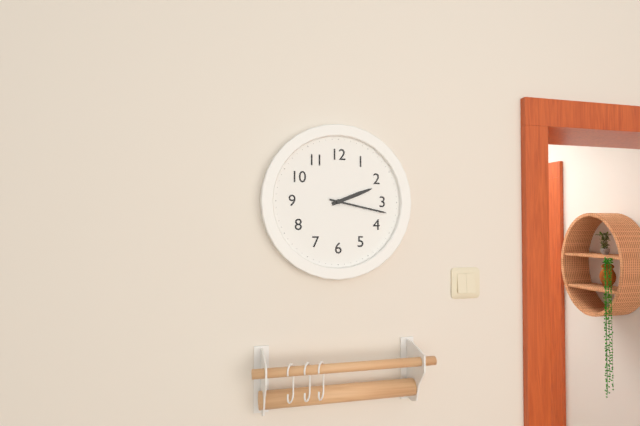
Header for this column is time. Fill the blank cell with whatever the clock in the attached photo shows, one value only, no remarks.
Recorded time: 2:17
